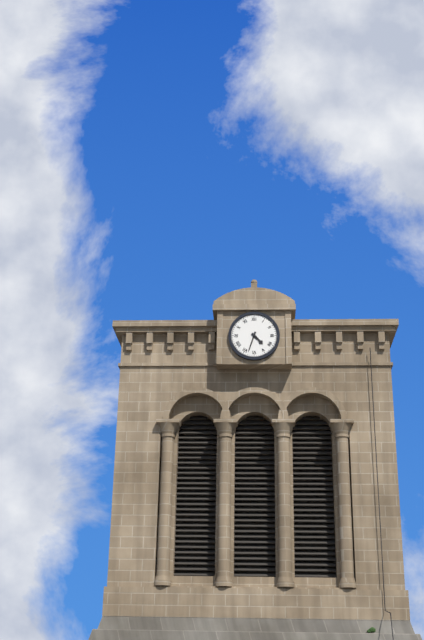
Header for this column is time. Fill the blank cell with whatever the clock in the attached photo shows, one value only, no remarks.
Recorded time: 4:33
